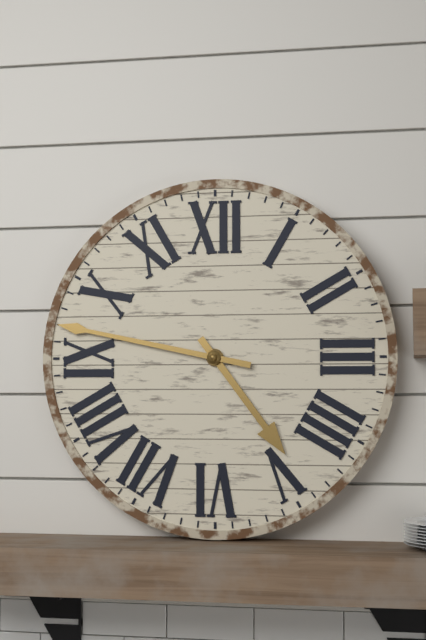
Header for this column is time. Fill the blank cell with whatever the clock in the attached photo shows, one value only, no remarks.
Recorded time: 4:47
